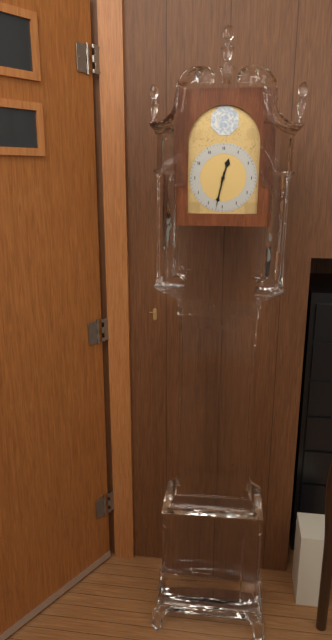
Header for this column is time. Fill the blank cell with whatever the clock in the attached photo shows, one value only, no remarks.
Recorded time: 12:32
